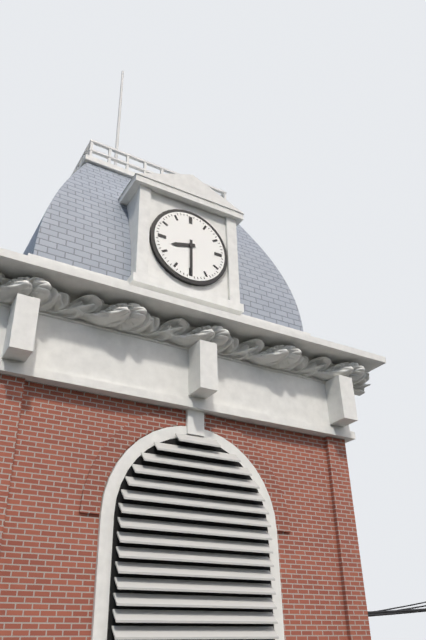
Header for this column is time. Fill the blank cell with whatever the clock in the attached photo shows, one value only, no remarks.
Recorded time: 8:30
